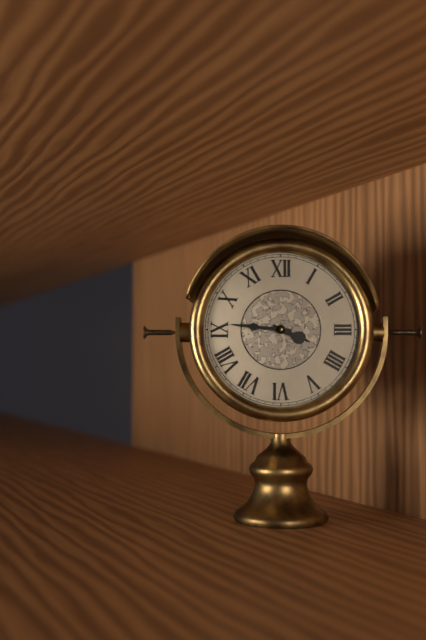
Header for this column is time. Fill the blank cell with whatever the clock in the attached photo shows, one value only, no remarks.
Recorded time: 3:46
